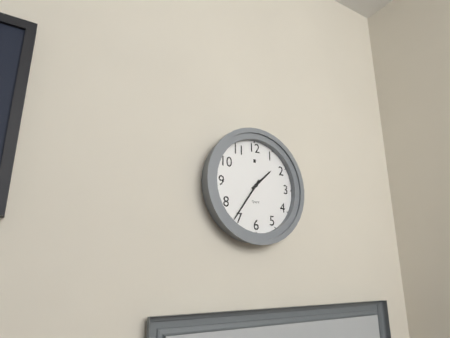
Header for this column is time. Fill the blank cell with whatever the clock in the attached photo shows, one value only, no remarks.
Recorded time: 1:36
